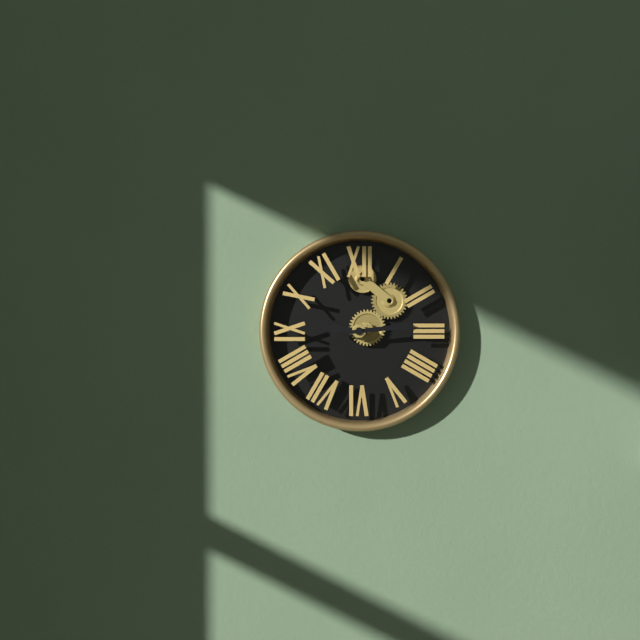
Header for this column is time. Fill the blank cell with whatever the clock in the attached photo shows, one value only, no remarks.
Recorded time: 9:14
